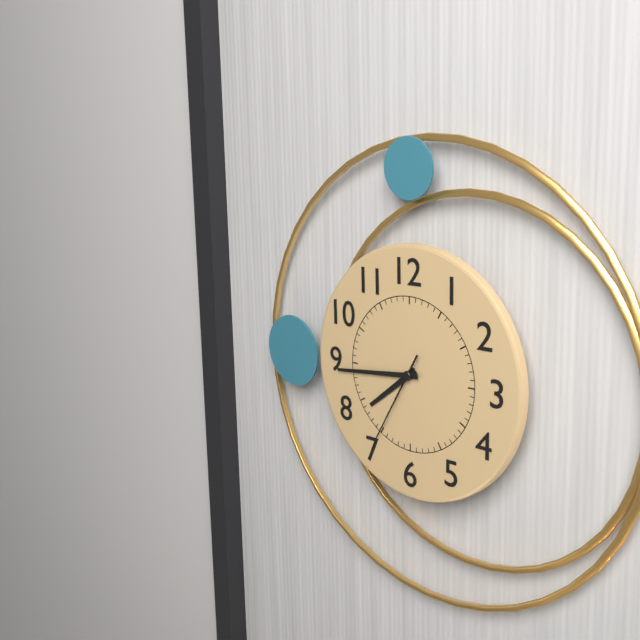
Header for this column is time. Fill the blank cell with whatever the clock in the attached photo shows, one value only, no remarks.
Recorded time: 7:44:35
